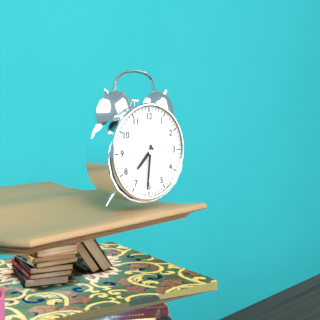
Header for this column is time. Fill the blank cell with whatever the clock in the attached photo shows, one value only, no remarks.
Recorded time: 7:31
